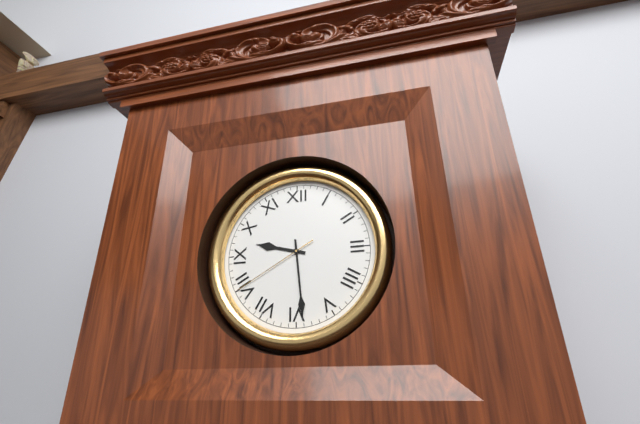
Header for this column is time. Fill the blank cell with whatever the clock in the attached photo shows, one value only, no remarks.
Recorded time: 9:29:40
